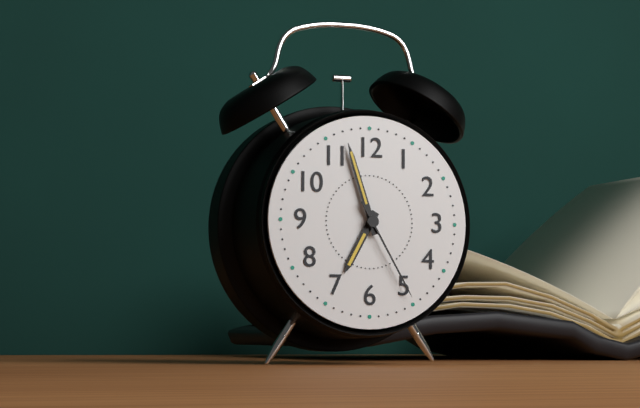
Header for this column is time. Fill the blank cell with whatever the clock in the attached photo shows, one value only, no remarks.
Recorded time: 6:57:25
